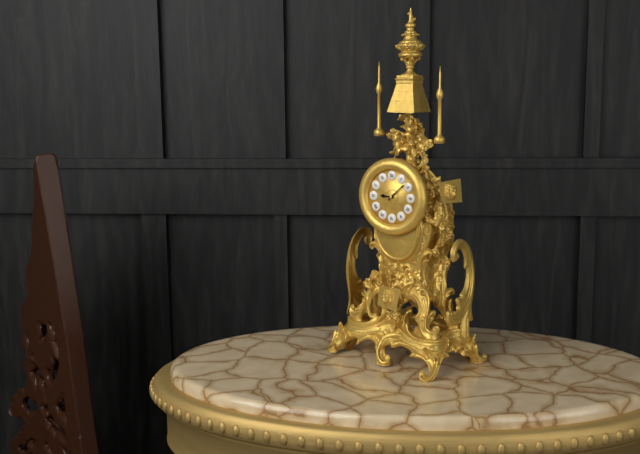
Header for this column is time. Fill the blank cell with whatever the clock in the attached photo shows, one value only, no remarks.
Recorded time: 9:08
